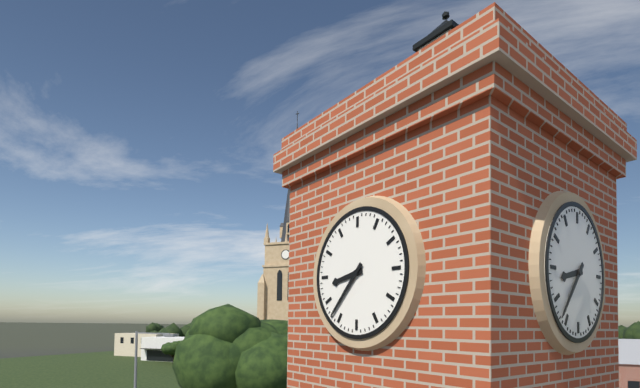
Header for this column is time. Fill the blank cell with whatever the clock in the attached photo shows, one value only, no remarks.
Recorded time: 8:37
